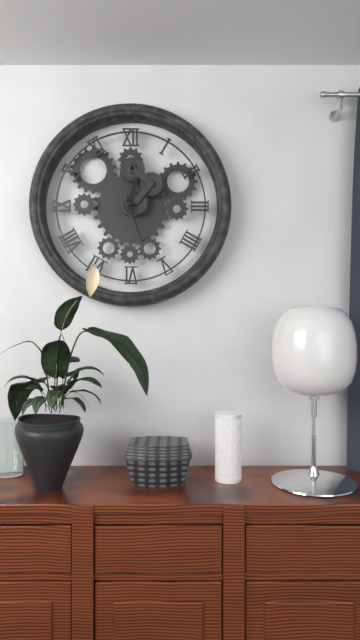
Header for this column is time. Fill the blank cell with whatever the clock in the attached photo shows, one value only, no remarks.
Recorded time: 12:27
